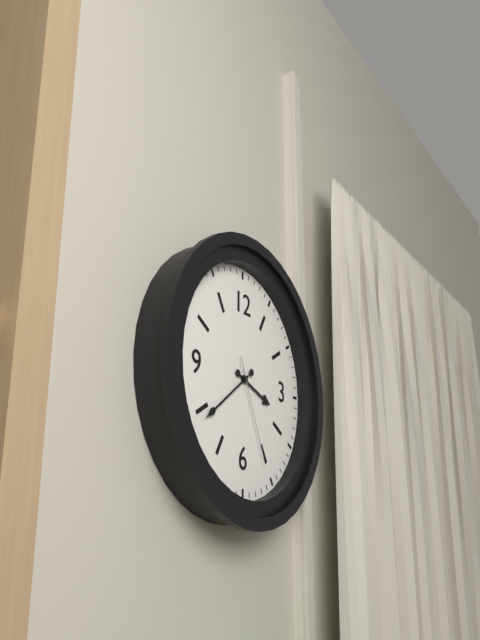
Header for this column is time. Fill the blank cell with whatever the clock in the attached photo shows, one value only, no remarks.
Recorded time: 3:39:26
